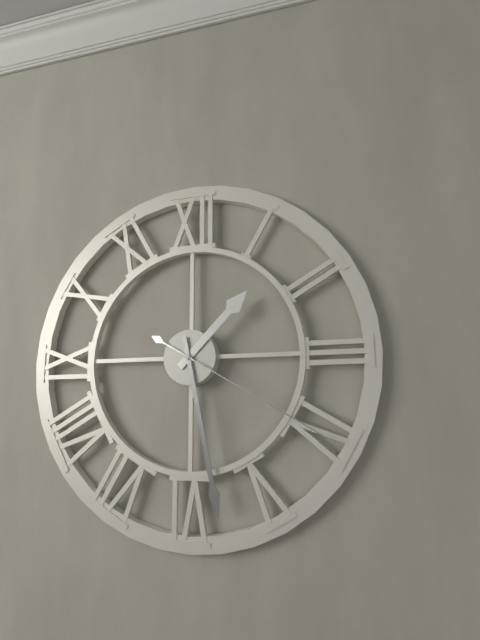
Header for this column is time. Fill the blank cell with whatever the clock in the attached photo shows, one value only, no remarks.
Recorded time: 1:28:20
